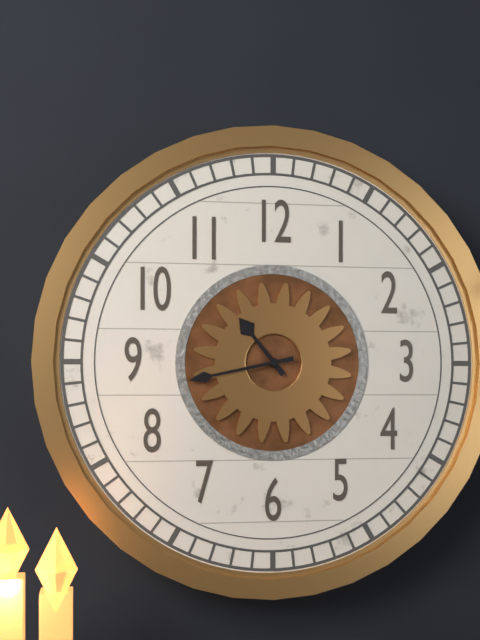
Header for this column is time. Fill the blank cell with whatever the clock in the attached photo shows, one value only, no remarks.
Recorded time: 10:43
